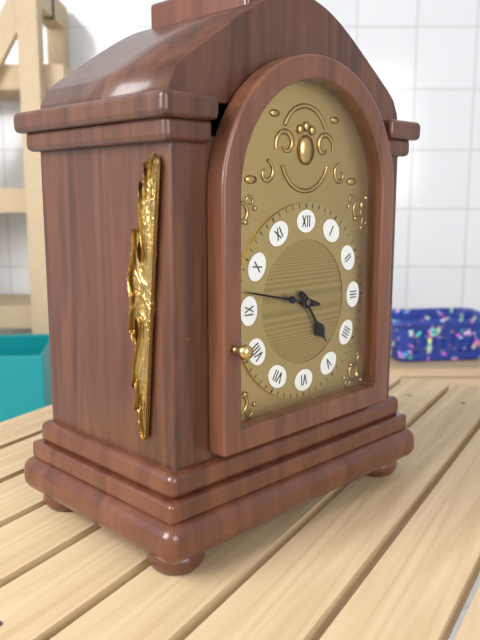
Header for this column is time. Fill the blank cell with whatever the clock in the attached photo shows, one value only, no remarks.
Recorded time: 4:47
